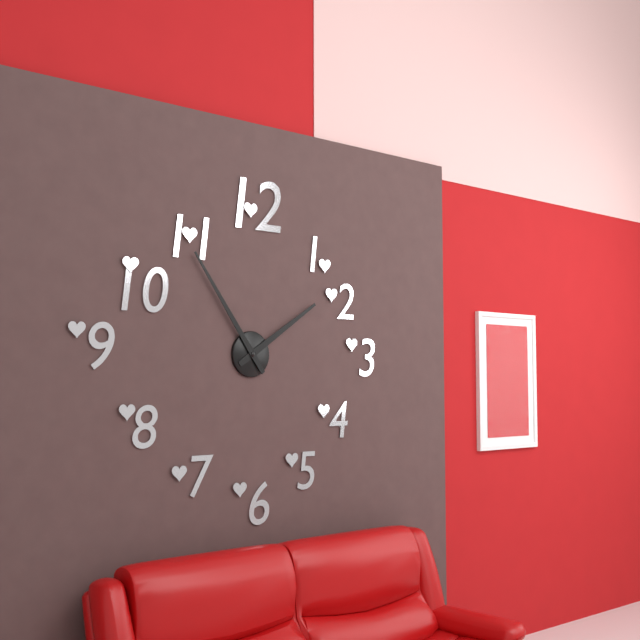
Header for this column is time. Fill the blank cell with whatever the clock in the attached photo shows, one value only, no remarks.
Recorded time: 1:54
